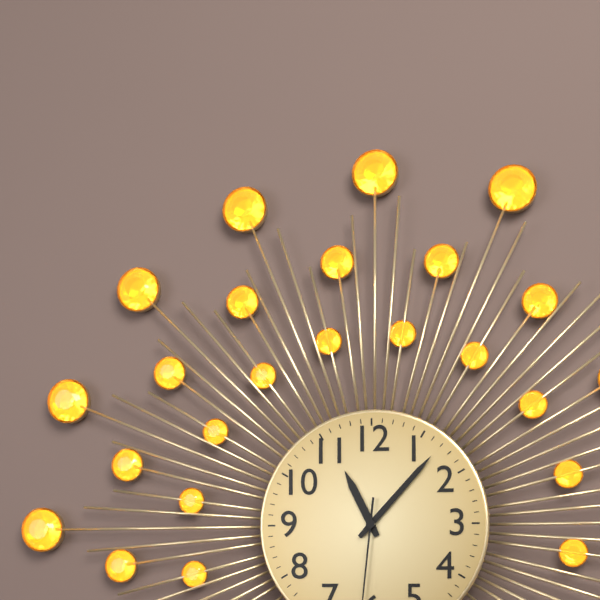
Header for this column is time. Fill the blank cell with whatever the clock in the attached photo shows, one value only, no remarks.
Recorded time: 11:07
